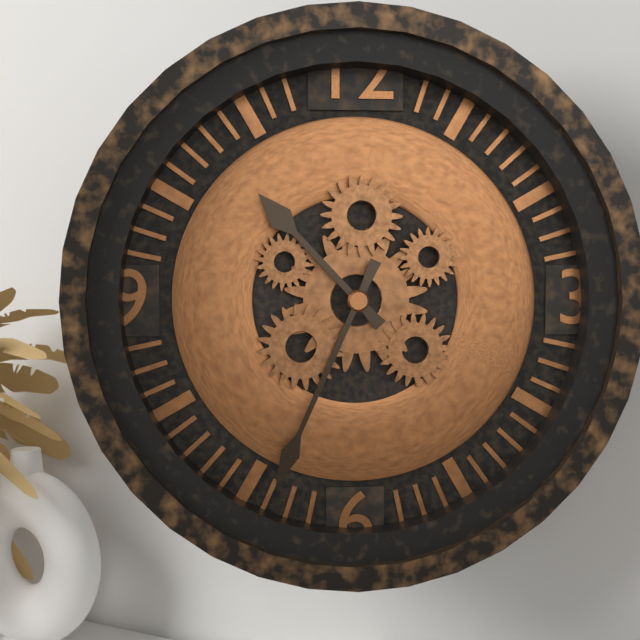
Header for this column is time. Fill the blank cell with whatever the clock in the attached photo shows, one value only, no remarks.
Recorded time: 10:34
